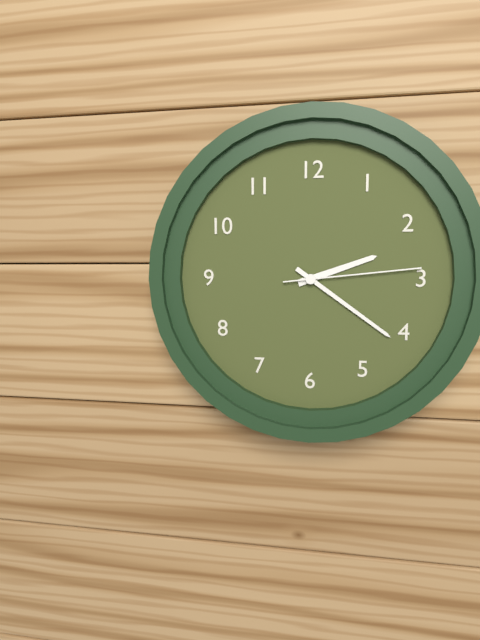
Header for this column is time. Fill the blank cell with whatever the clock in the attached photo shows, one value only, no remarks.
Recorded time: 2:21:14
